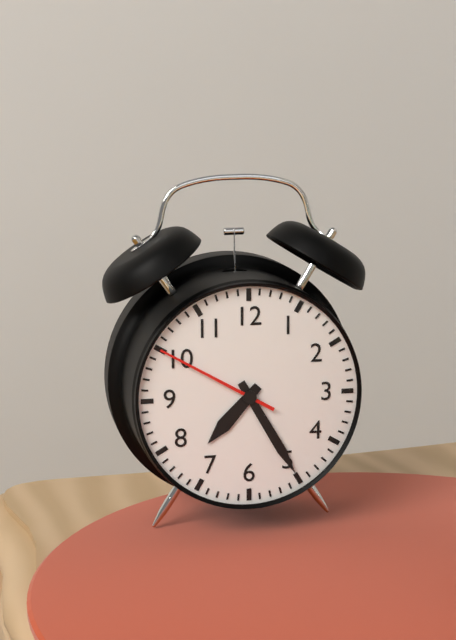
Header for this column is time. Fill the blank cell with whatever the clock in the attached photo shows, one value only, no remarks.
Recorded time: 7:25:50
